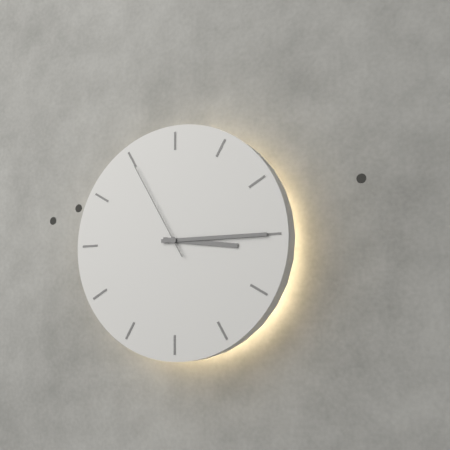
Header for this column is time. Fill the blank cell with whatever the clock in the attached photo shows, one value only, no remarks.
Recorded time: 3:15:55
